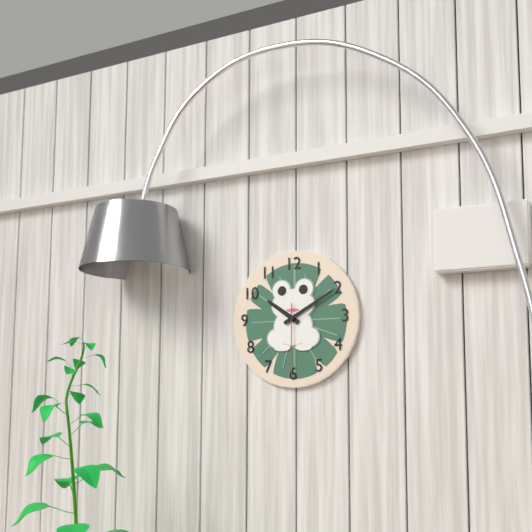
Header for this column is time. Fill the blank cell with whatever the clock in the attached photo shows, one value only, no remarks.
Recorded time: 10:10:30
